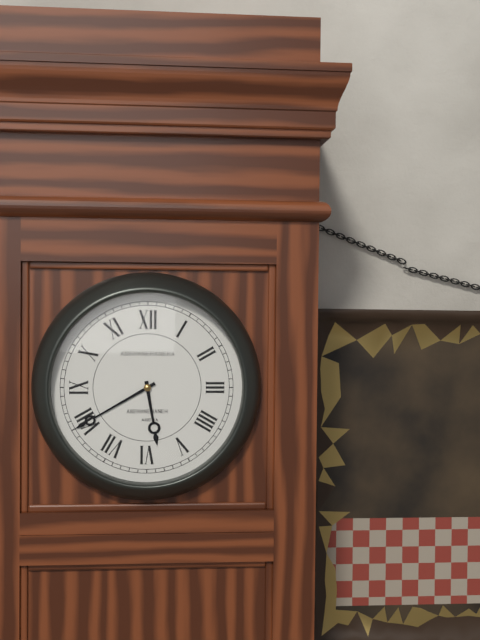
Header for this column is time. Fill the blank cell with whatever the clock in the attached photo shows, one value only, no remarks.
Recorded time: 5:40
